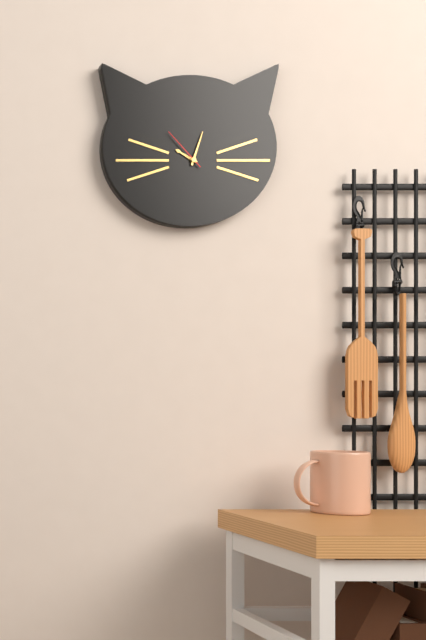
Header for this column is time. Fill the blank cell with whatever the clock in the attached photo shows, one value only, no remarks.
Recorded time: 10:03
